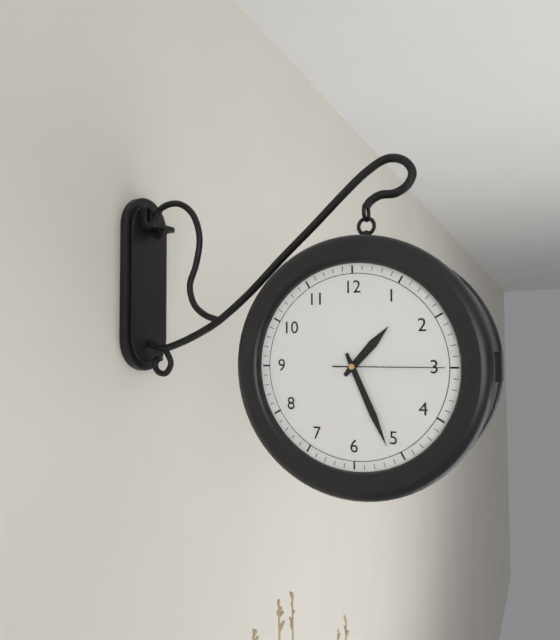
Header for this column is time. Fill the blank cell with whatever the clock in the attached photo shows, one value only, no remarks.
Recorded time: 1:26:15
